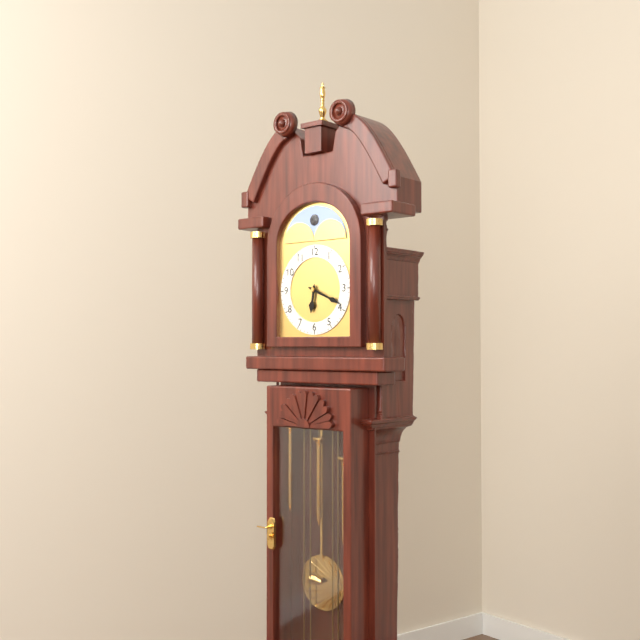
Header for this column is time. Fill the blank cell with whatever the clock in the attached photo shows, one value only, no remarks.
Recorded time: 6:19
